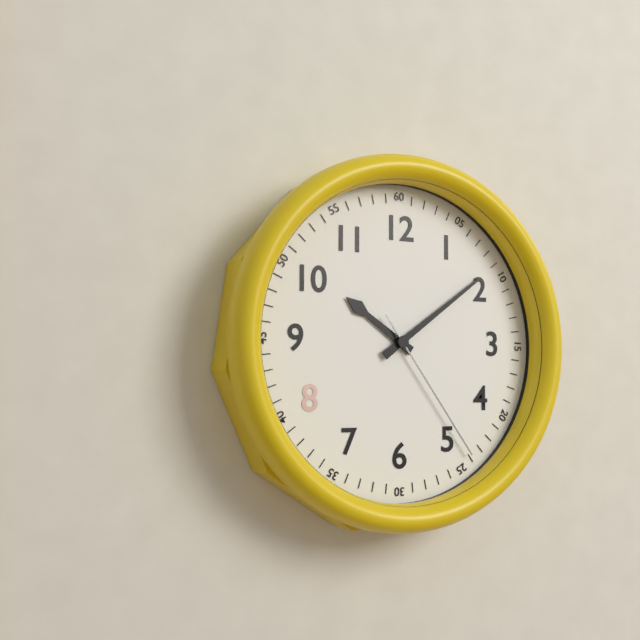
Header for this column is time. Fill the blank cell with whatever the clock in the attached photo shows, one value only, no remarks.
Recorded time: 10:09:24
